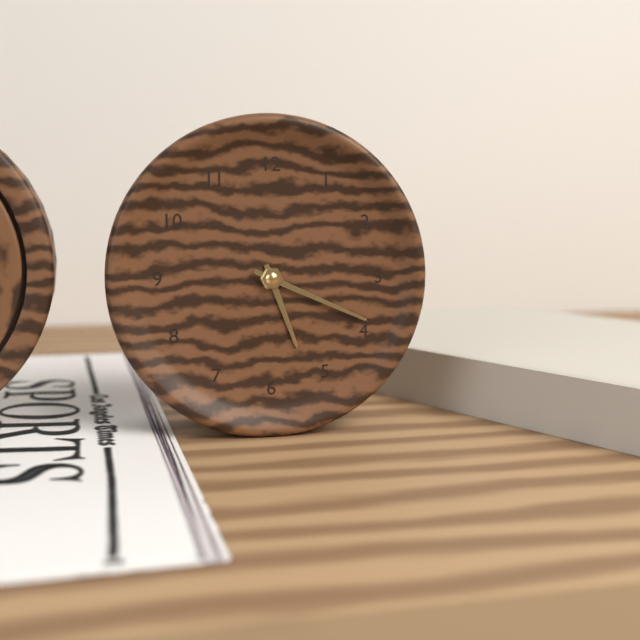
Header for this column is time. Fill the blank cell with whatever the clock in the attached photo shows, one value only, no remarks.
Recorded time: 5:19
